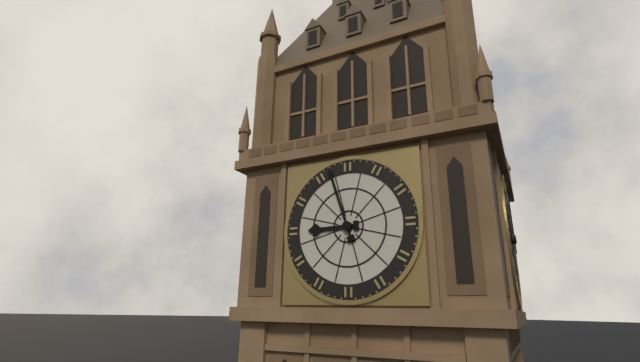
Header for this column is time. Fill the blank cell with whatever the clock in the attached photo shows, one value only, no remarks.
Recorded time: 8:57
